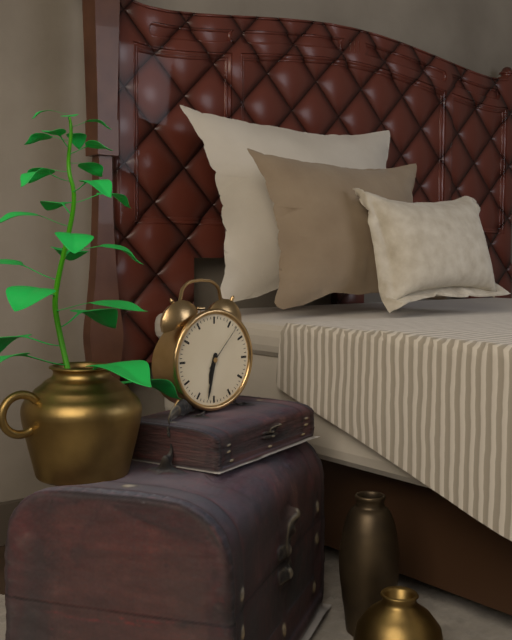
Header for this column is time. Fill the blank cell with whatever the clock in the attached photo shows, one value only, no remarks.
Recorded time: 6:32:07
